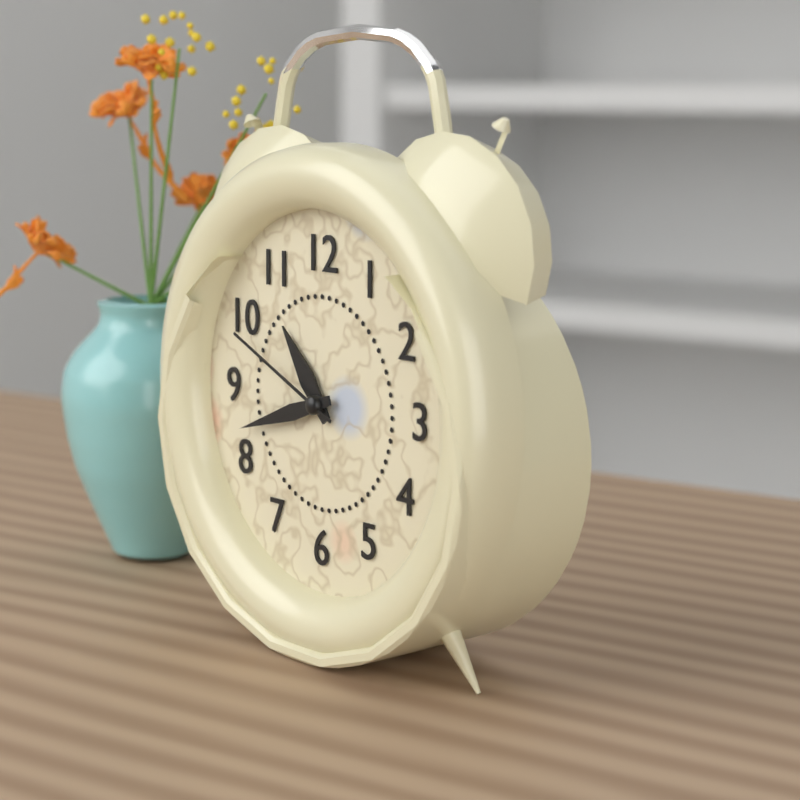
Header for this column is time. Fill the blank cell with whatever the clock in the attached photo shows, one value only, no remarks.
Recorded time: 10:42:49
